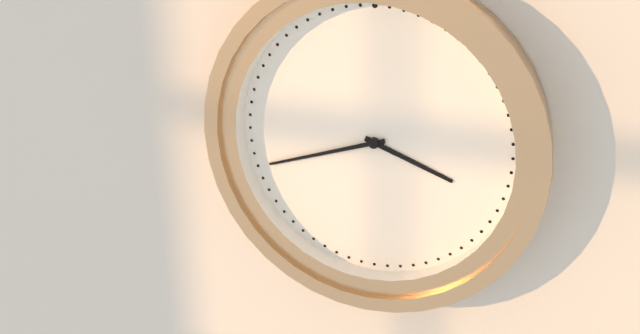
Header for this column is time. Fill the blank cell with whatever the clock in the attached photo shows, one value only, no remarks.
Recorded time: 3:42
